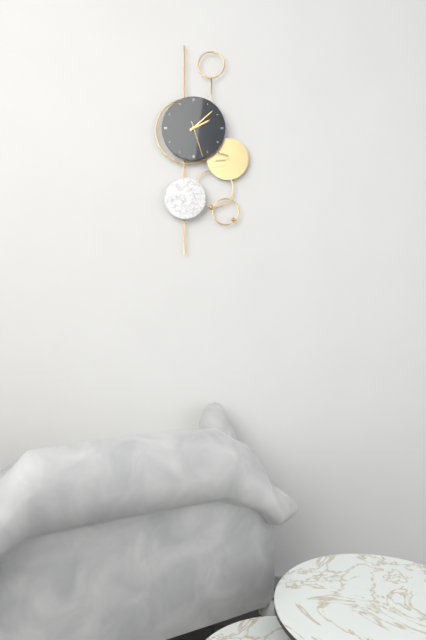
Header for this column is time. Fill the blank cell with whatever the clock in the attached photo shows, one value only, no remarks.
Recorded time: 2:08
